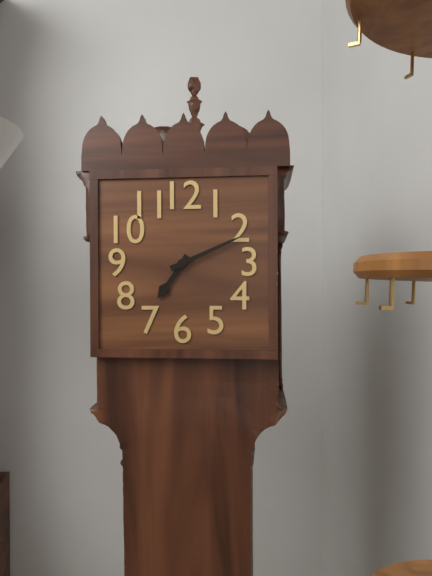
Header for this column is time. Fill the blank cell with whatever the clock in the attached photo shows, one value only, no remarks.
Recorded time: 7:11
